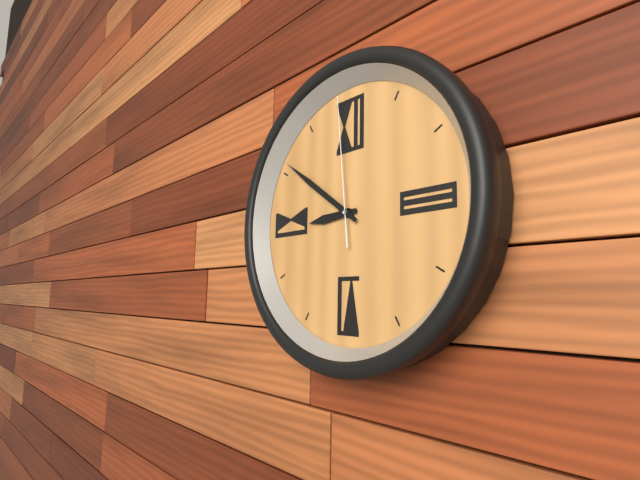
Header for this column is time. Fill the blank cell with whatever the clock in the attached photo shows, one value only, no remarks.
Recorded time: 8:51:59
